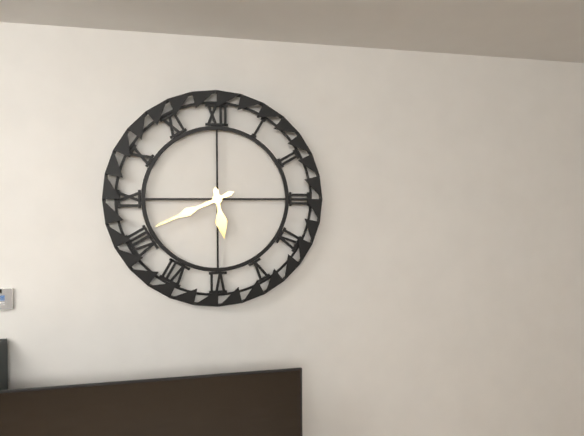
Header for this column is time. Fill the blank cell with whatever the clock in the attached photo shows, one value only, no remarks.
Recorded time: 5:41
